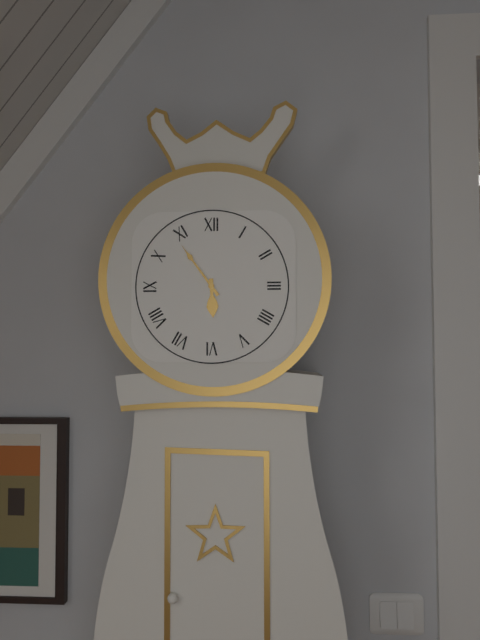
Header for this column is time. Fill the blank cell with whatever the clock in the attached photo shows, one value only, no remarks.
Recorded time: 5:54
